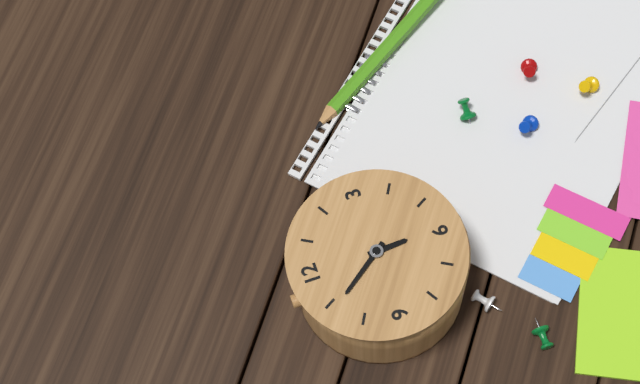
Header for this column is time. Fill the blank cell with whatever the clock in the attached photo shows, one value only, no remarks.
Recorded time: 5:54
